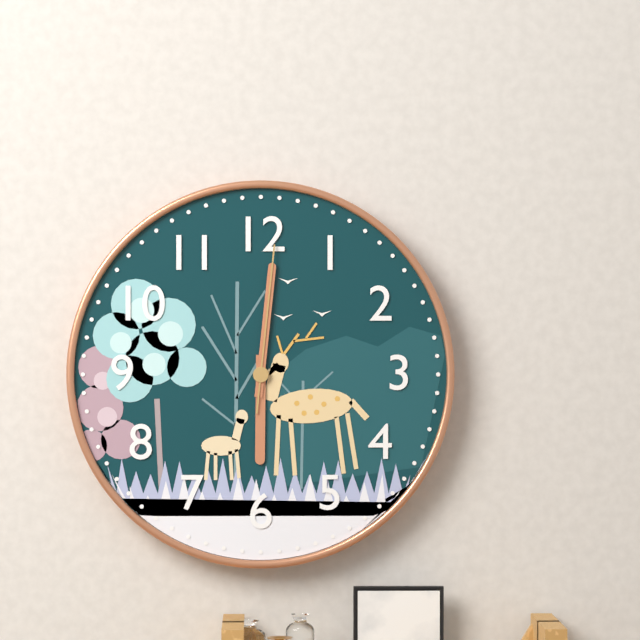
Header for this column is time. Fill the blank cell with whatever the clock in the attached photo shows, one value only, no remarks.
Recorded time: 6:01:01
